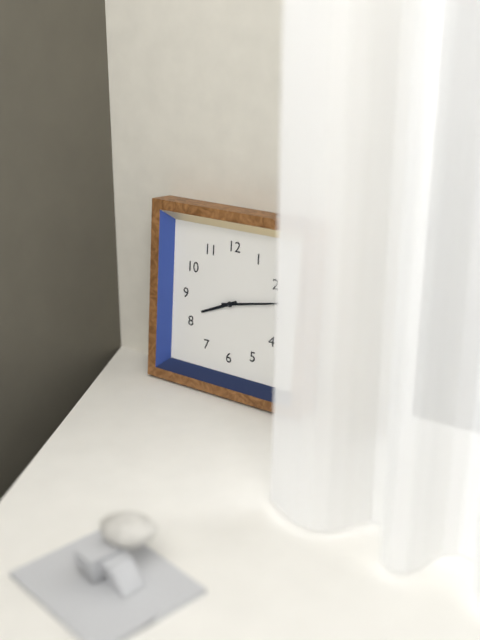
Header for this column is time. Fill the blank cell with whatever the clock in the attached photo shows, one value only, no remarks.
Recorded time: 8:13
